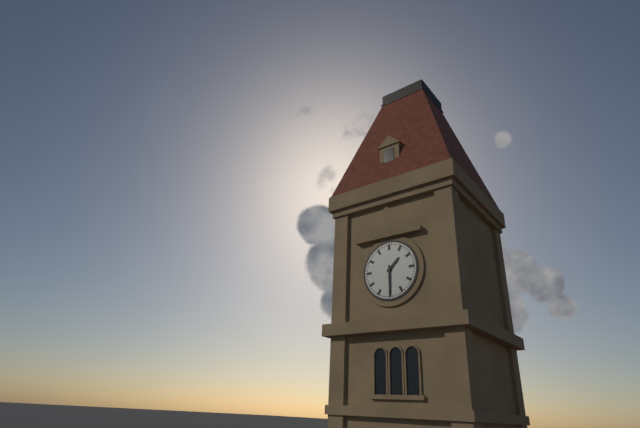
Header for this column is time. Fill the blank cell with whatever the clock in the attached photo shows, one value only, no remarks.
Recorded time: 1:30
